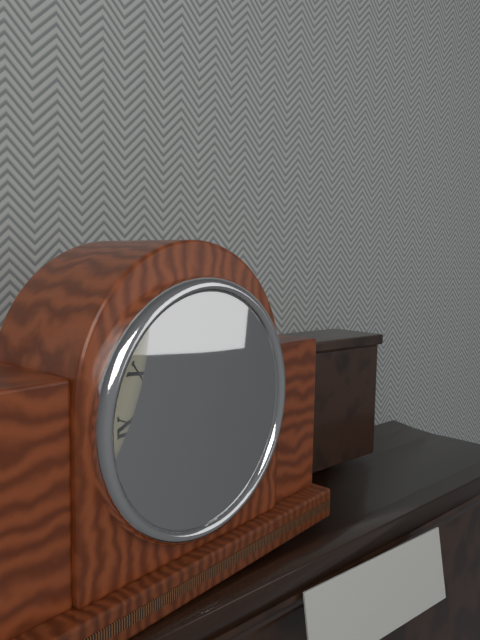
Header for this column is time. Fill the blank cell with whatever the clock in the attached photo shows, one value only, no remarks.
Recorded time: 6:03
